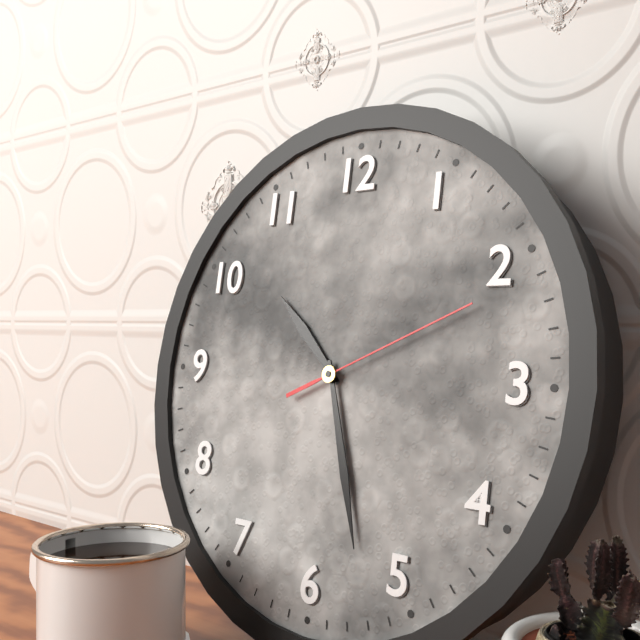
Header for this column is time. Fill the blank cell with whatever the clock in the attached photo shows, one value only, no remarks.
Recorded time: 10:27:11
